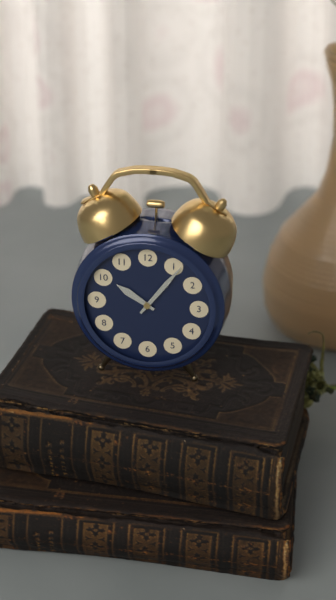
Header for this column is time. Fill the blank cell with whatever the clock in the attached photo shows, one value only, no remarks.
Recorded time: 10:06
